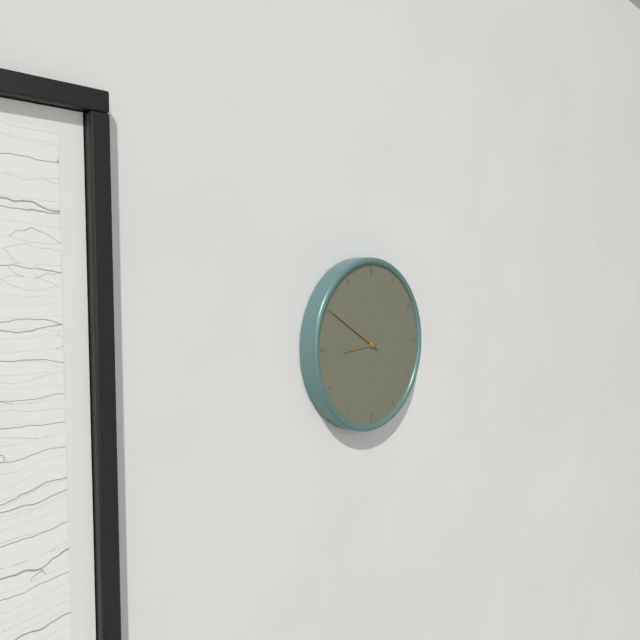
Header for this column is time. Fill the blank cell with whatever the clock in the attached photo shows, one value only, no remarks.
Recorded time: 8:50
